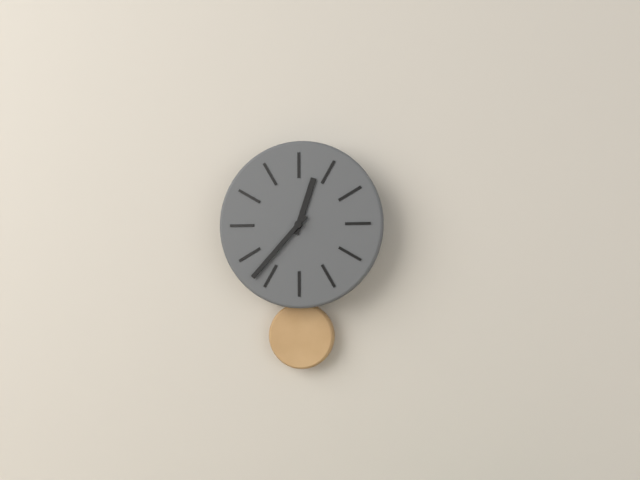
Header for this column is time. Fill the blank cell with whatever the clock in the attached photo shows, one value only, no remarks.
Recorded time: 12:37
